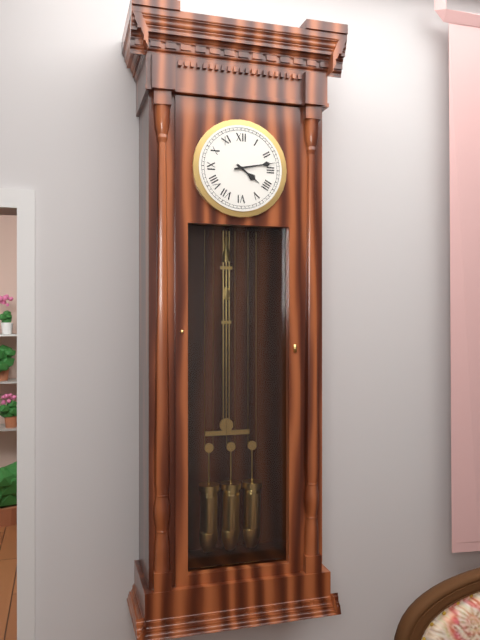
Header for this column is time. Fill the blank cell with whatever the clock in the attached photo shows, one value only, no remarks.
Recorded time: 4:13
